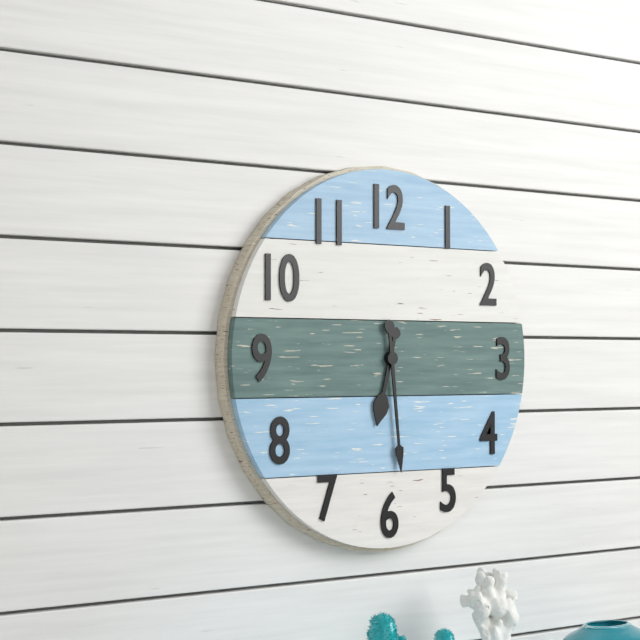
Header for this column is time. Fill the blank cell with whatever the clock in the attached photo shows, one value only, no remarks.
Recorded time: 6:29
